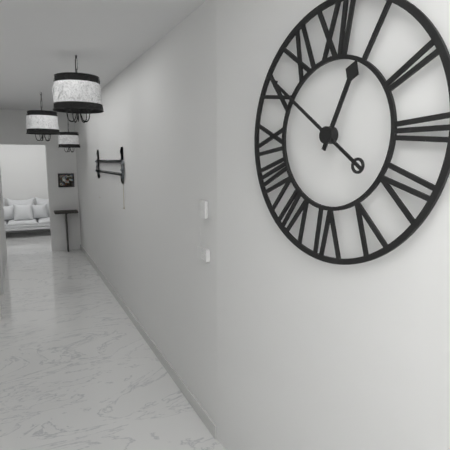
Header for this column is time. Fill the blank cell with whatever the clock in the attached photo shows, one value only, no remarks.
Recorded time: 12:51
